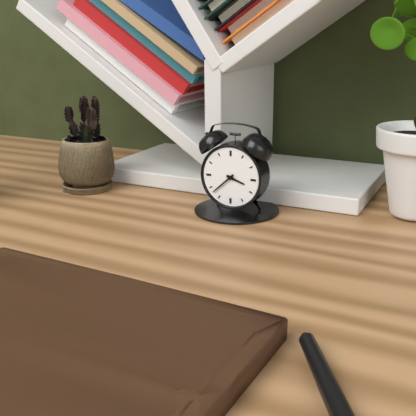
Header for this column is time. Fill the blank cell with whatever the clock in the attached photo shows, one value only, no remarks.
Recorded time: 3:38
